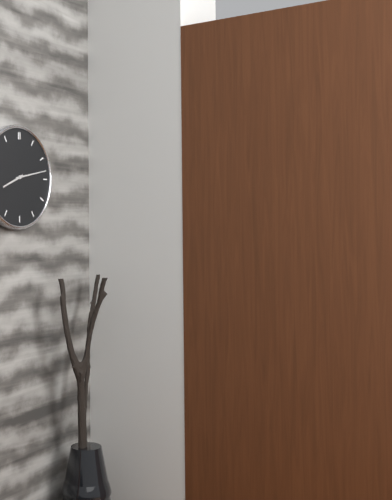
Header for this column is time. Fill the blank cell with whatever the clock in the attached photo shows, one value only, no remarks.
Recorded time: 8:13
